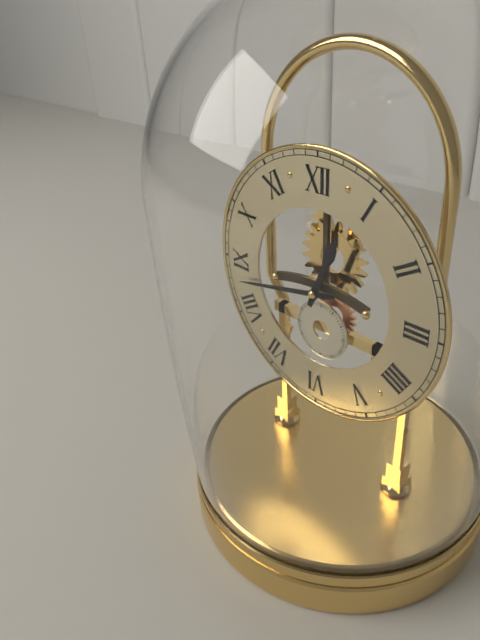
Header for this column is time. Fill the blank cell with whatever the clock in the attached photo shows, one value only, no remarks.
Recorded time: 12:43
